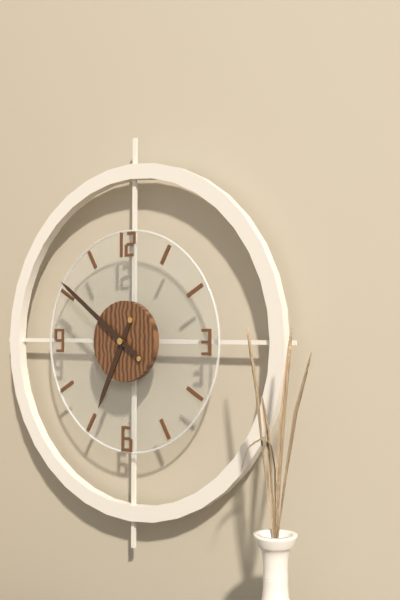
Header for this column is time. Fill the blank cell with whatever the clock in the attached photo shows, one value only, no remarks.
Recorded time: 6:51
